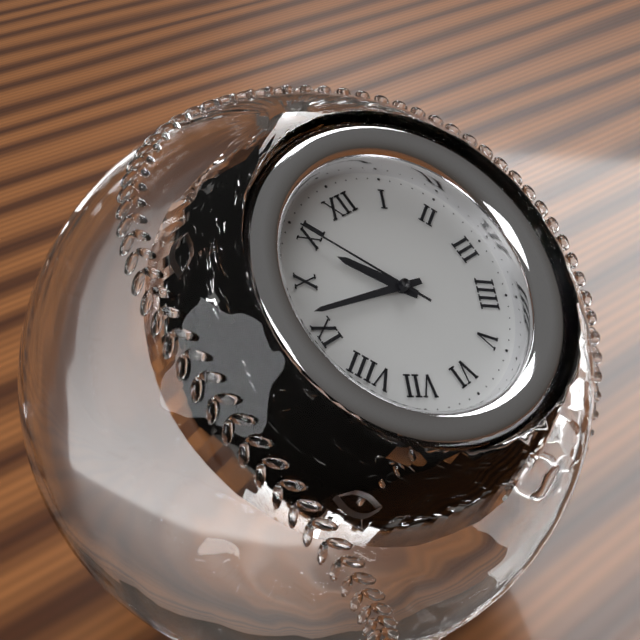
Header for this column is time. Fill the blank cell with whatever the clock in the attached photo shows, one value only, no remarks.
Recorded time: 10:47:55
